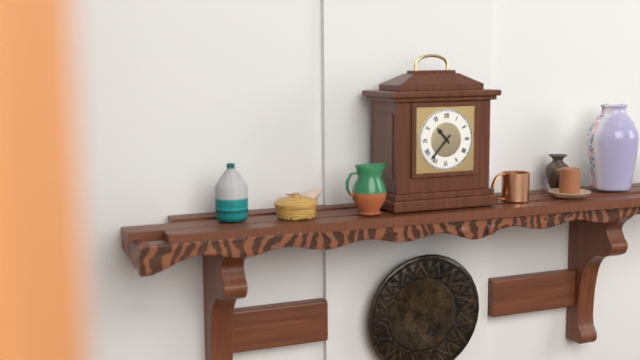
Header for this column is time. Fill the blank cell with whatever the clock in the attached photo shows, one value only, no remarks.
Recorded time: 10:37
